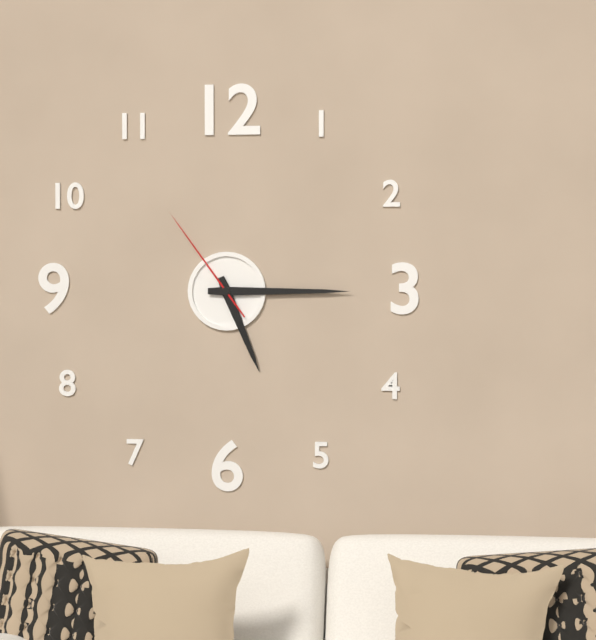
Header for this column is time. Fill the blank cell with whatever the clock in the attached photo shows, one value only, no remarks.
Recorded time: 5:15:54
